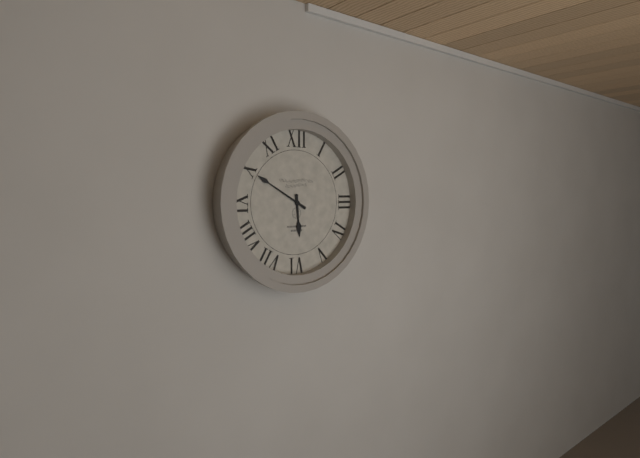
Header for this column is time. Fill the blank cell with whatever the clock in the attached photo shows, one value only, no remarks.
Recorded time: 5:50
